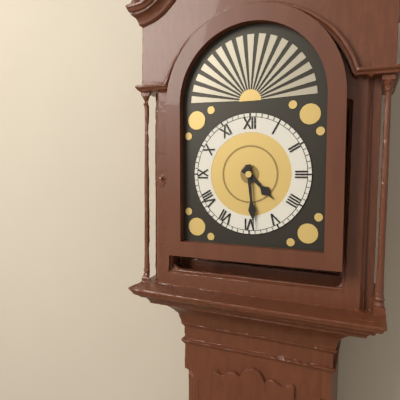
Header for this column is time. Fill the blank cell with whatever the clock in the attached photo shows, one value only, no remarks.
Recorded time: 4:29
